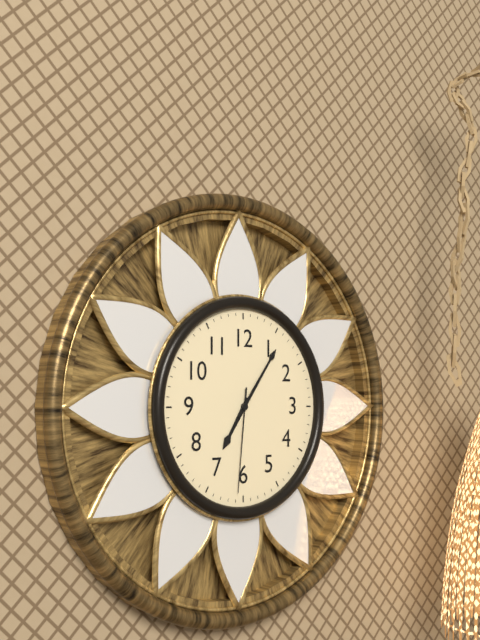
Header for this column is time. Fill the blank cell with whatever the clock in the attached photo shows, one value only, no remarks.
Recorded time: 7:06:31
